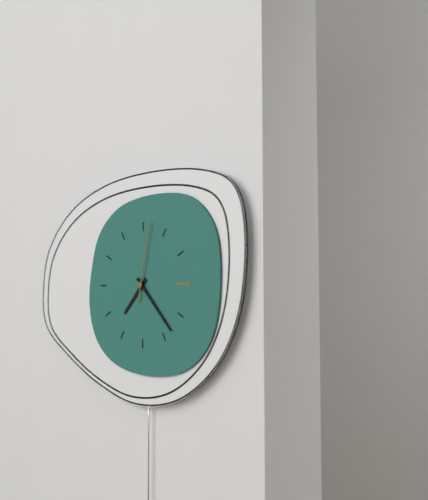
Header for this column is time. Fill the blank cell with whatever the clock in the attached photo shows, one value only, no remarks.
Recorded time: 7:23:02
